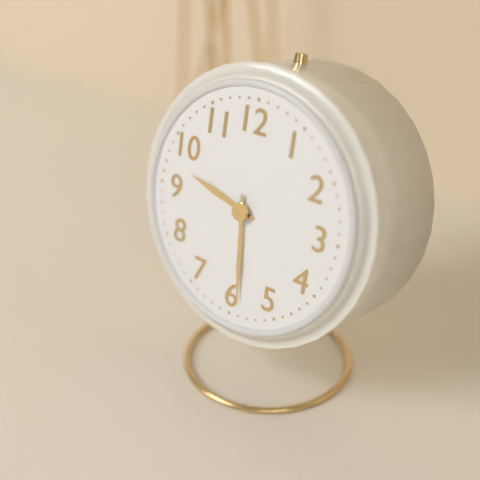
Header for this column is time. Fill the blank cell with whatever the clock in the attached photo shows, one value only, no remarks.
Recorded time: 9:29
